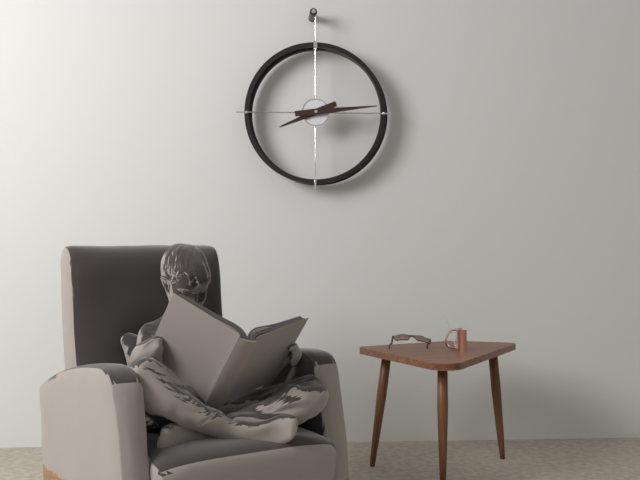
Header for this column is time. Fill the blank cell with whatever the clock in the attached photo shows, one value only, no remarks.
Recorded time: 8:14
